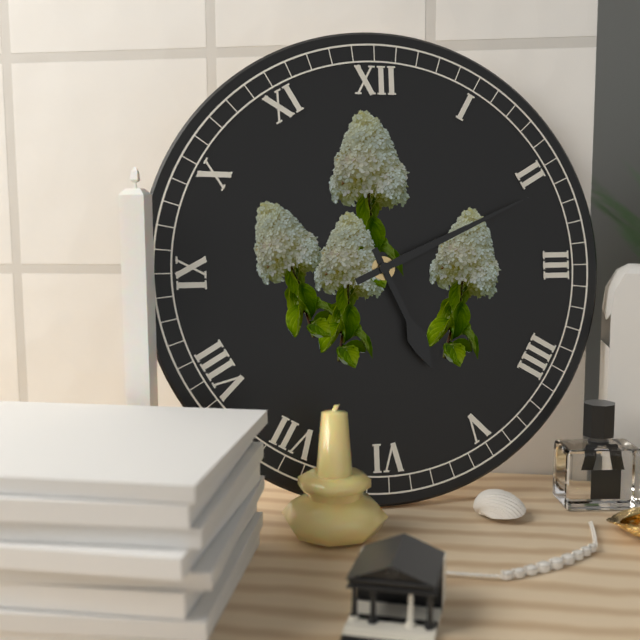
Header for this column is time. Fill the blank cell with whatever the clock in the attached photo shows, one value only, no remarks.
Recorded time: 5:11
